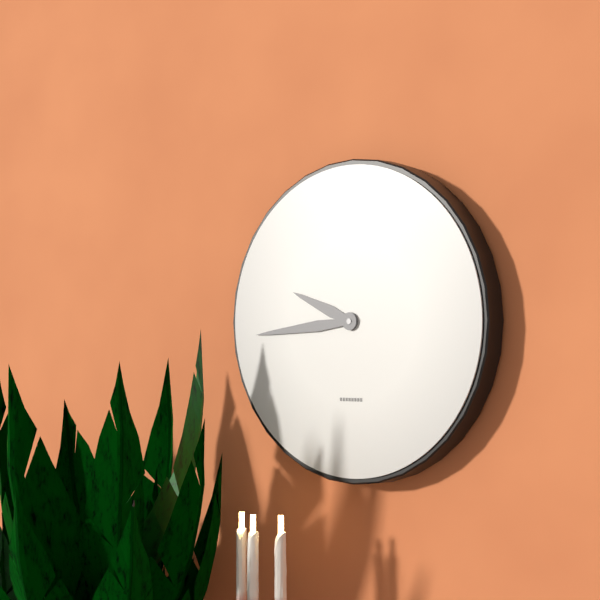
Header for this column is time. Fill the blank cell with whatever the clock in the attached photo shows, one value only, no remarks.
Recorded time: 9:44
